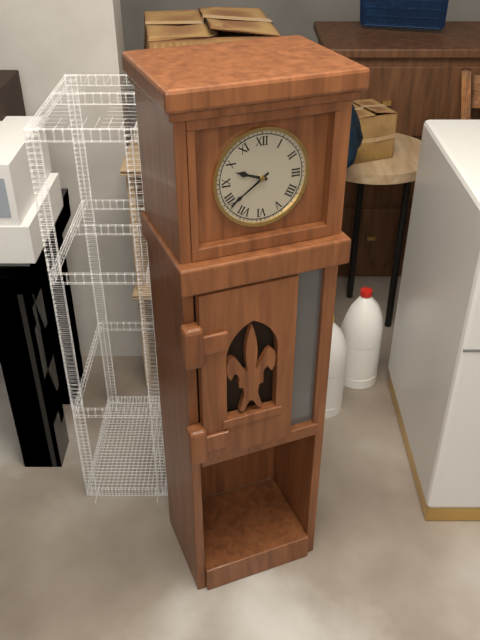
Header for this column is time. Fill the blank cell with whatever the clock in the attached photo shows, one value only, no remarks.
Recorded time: 9:39
